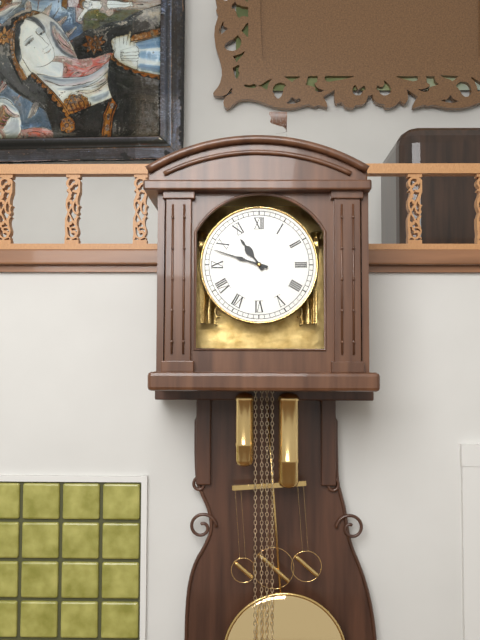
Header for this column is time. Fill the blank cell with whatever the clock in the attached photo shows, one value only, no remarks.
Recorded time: 10:48
